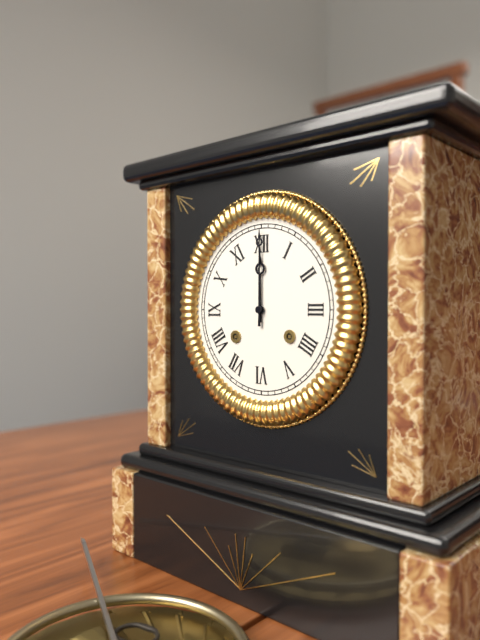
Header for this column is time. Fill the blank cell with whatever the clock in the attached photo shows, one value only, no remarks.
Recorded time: 12:00
